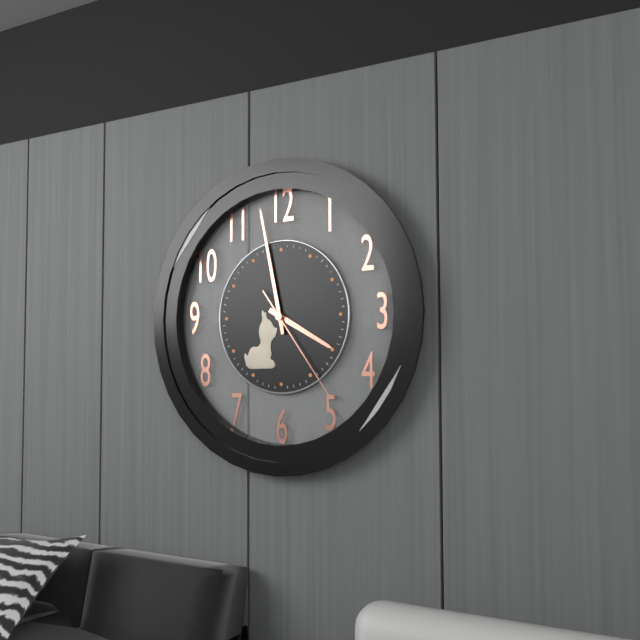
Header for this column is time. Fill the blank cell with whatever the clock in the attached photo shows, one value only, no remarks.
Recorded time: 3:58:24
